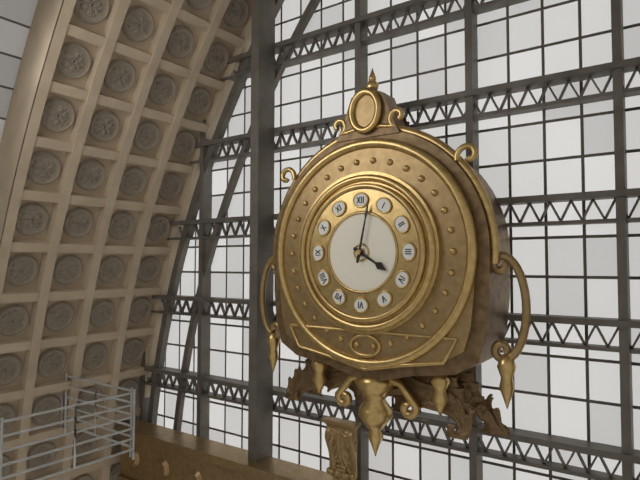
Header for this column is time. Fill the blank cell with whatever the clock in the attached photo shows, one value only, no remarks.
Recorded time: 4:02
